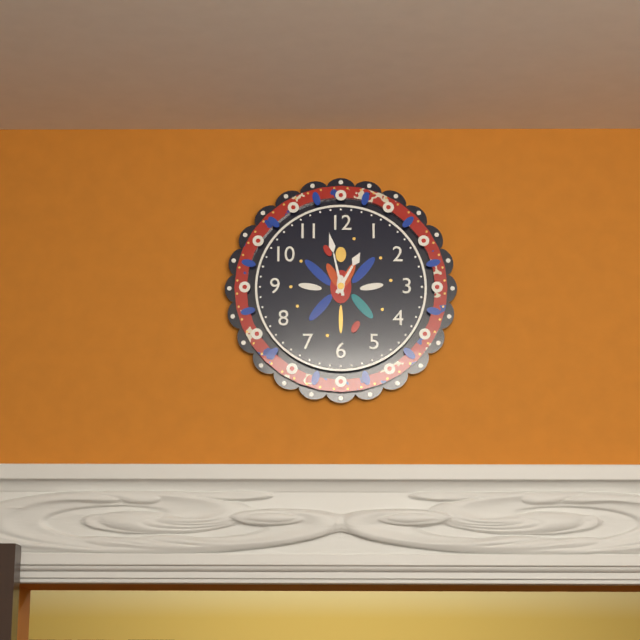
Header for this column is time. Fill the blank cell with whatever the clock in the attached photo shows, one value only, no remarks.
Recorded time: 12:58
